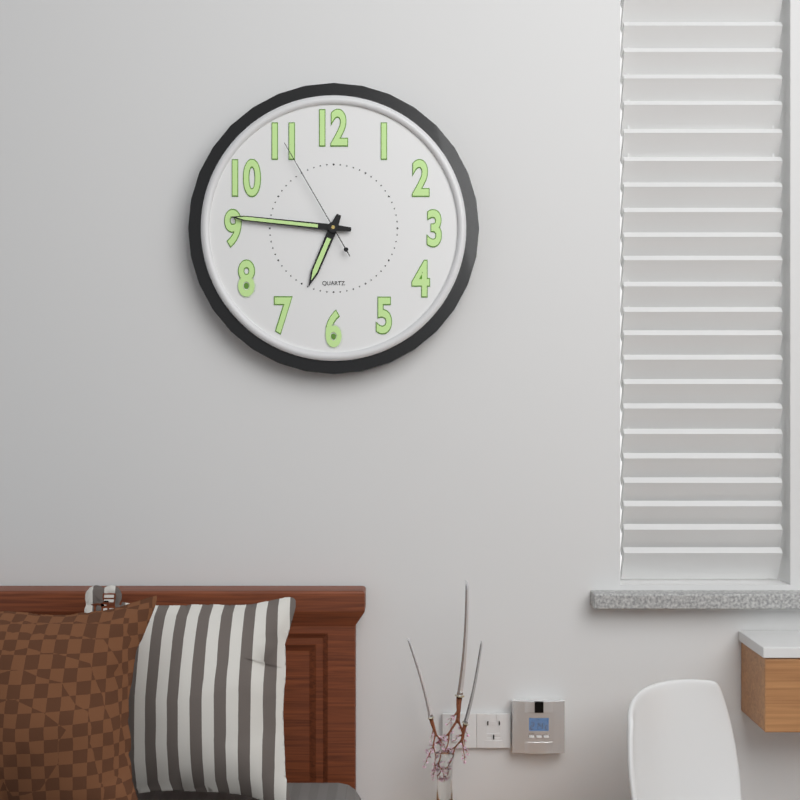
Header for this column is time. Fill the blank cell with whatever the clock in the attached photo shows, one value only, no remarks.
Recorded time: 6:46:55
